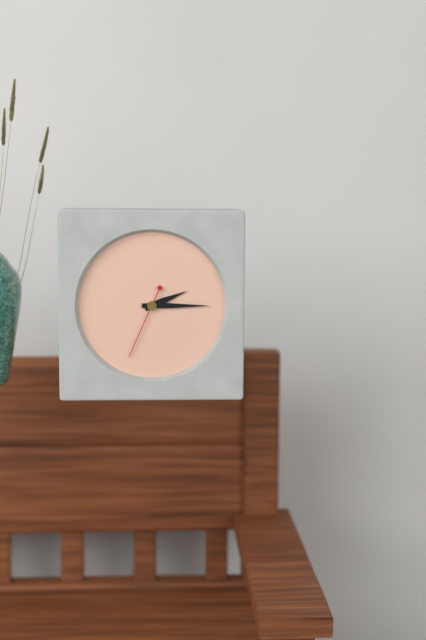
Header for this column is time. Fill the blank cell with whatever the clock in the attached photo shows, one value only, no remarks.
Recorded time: 2:15:34
